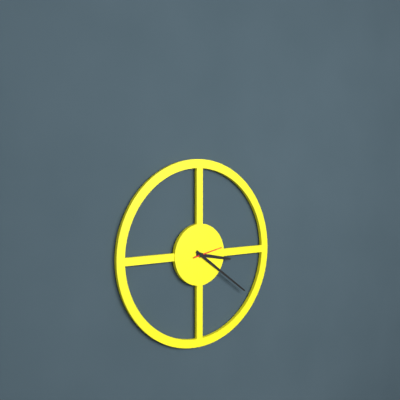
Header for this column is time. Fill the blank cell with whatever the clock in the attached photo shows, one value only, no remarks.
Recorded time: 3:21
